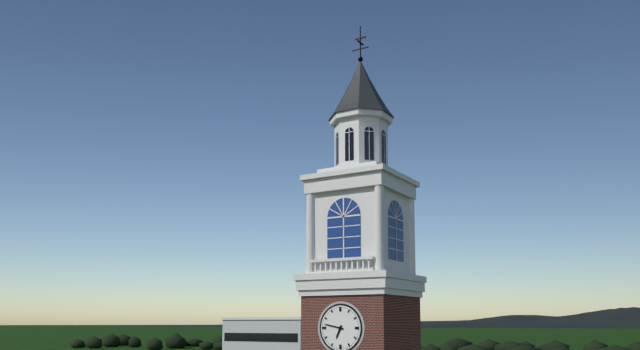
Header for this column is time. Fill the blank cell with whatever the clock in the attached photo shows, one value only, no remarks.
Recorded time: 6:47
